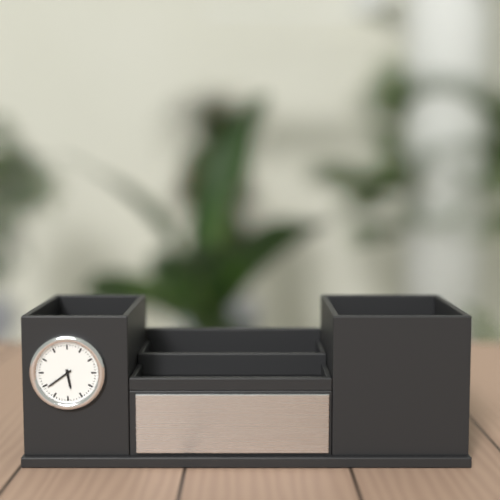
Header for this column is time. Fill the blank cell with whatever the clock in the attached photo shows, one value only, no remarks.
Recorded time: 5:39
